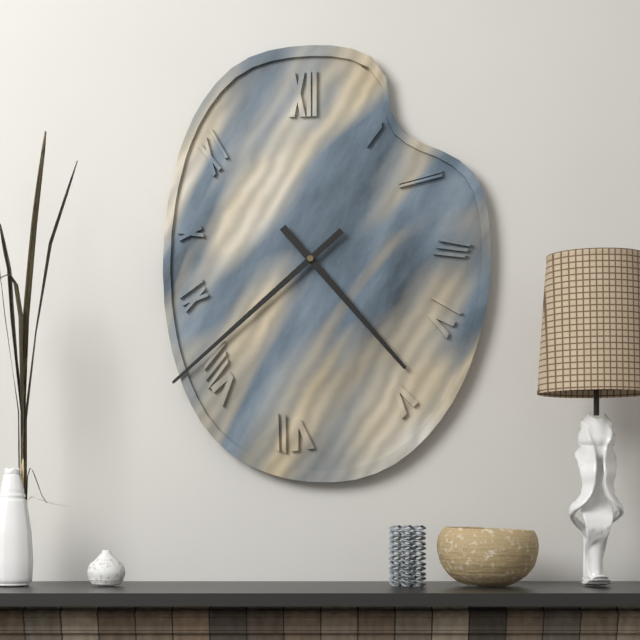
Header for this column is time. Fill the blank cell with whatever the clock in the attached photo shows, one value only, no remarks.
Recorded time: 4:38
